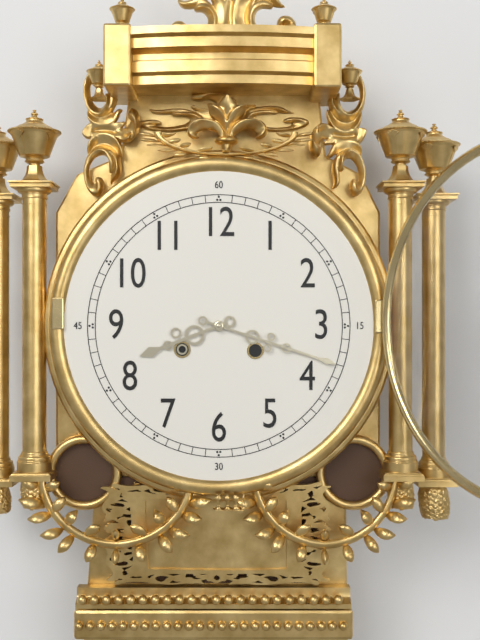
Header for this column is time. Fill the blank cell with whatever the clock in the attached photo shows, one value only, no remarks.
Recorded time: 8:18
